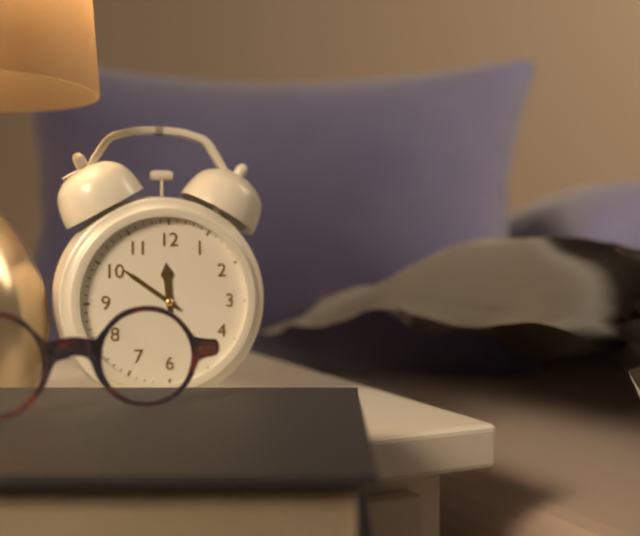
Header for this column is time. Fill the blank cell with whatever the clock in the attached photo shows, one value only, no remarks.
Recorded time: 11:51
